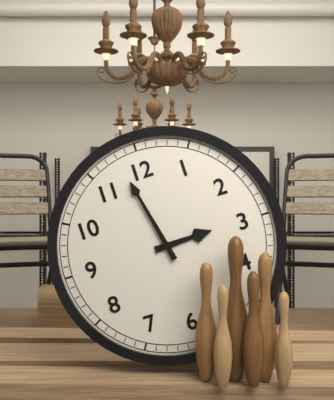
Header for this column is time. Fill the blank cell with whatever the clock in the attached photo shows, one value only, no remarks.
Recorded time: 2:58
